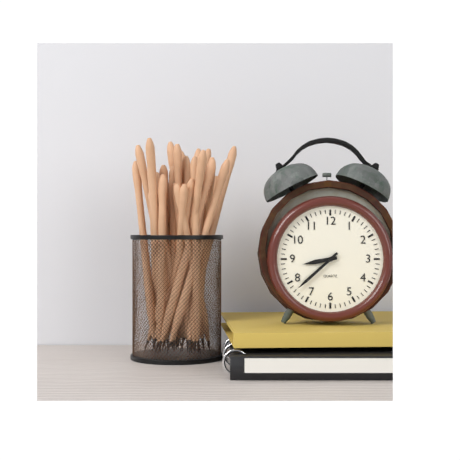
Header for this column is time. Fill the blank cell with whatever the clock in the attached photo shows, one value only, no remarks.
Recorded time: 8:38
